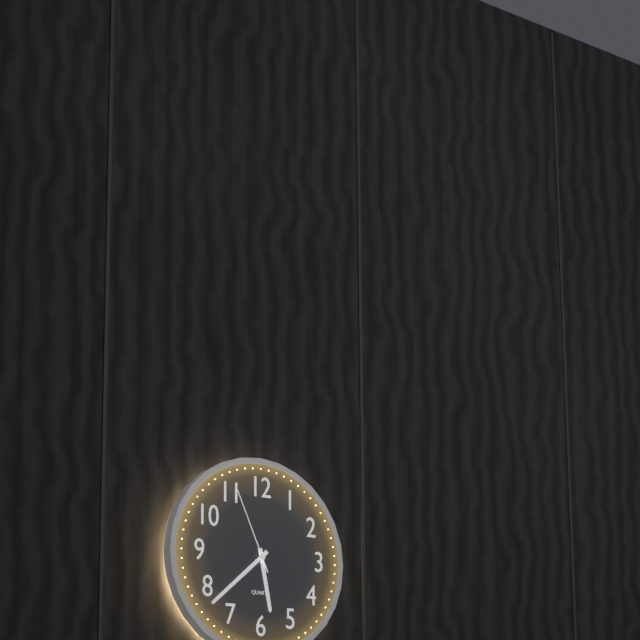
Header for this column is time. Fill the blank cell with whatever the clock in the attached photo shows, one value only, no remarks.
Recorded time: 5:38:56
